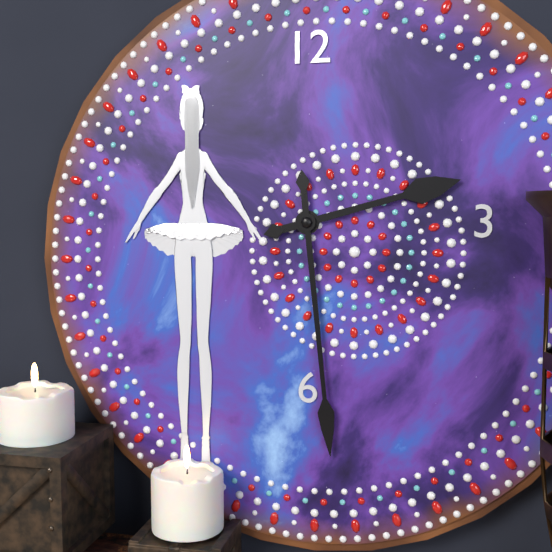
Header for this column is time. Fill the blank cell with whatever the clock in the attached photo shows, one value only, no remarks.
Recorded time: 2:29
